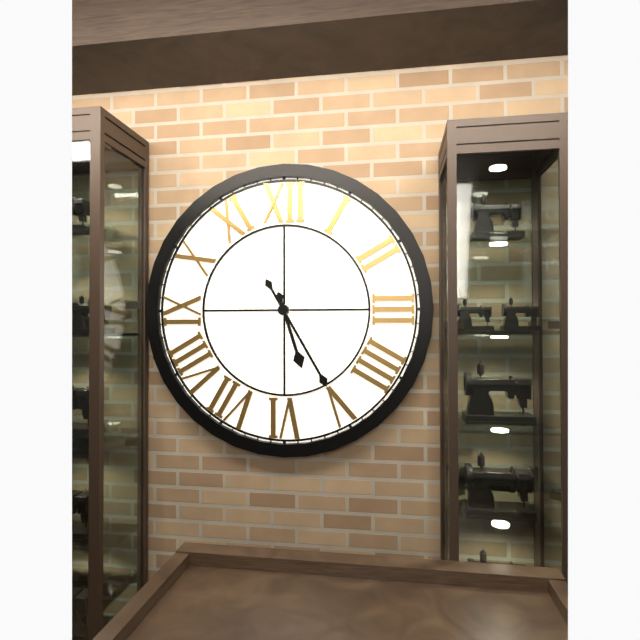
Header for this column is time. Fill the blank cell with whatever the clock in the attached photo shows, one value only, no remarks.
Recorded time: 5:25
